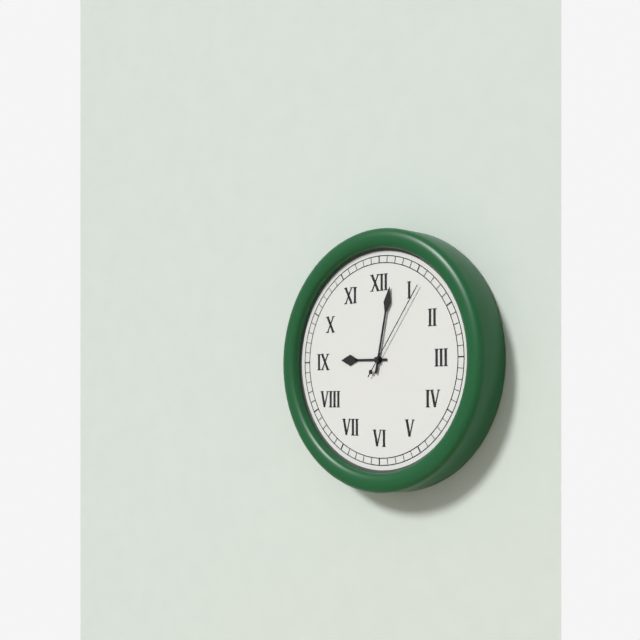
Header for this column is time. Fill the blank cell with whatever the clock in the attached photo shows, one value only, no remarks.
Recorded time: 9:02:06
